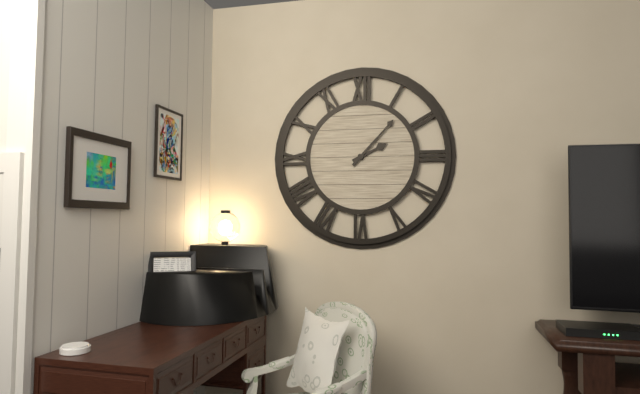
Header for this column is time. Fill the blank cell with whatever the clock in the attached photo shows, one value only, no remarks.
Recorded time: 2:07
